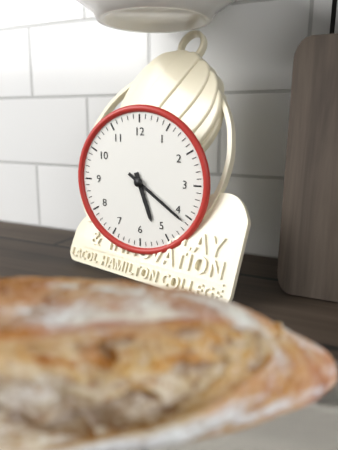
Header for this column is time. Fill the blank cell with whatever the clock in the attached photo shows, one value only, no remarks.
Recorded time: 5:21
